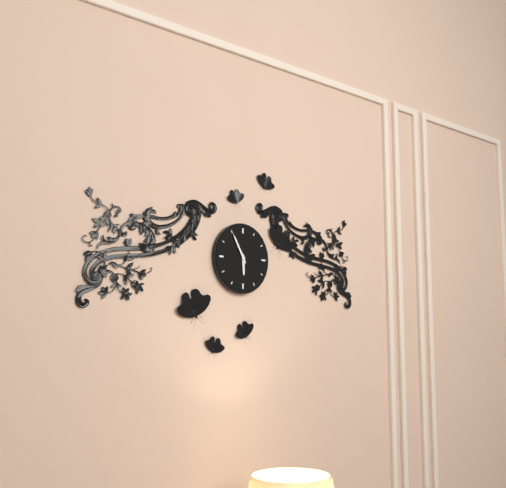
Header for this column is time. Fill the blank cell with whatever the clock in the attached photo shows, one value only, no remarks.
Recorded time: 5:55
